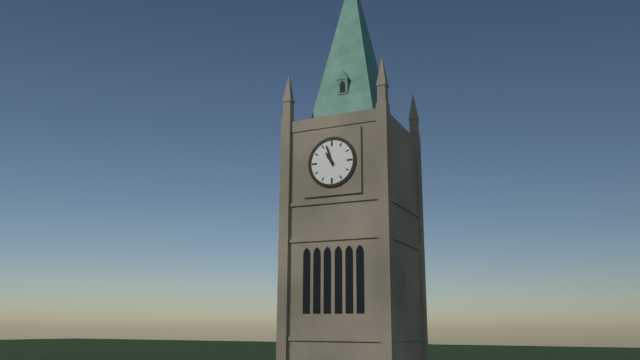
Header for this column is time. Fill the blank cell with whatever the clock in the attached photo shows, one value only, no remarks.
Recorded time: 10:57
